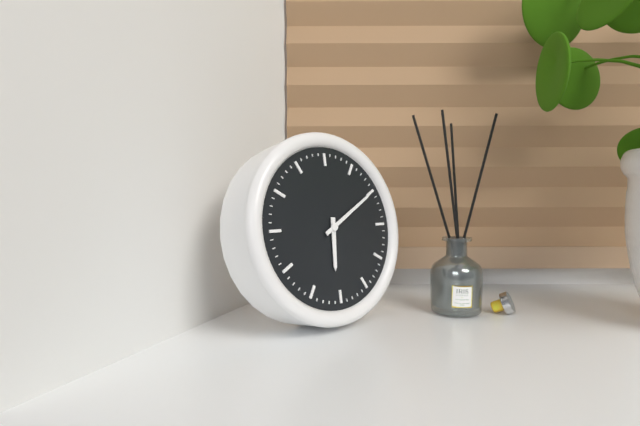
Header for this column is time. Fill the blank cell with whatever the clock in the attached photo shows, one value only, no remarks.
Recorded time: 6:10
